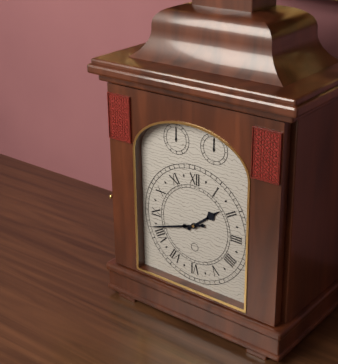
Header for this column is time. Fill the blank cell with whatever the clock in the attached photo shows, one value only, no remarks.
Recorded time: 1:42
